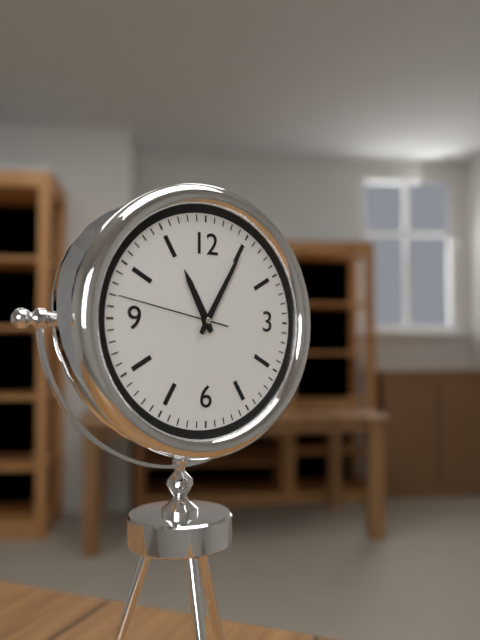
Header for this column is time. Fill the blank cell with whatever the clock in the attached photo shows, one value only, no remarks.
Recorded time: 11:05:47
